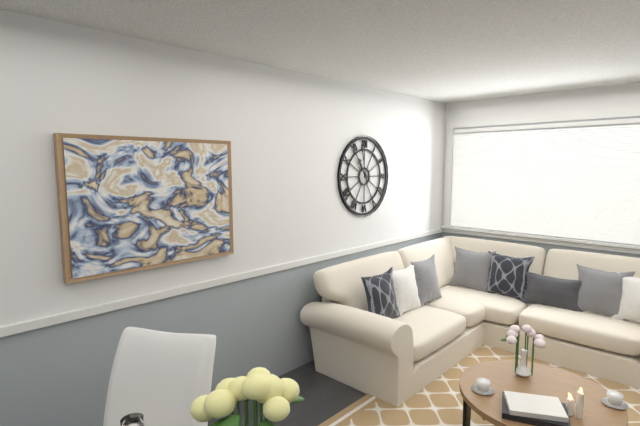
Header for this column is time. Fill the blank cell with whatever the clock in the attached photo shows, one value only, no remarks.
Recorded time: 10:58
